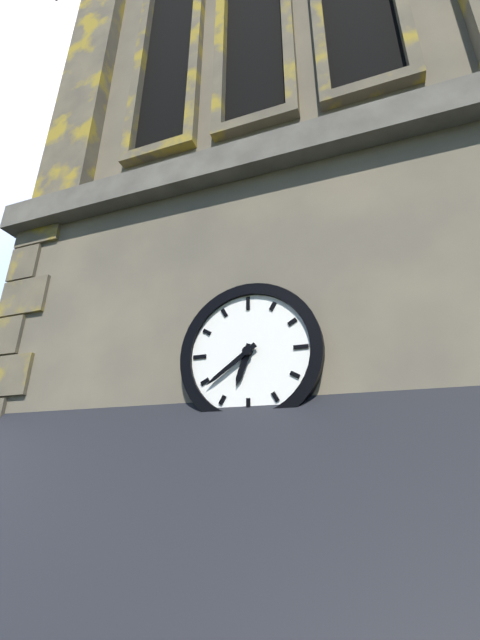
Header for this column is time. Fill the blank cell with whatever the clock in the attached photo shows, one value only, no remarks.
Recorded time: 6:39
